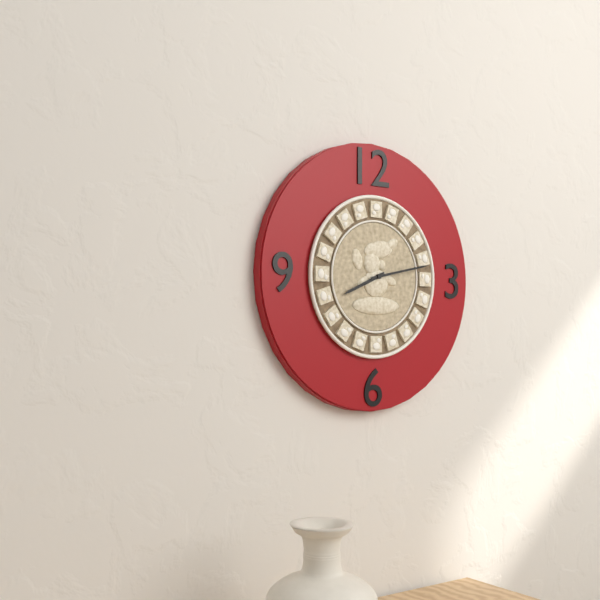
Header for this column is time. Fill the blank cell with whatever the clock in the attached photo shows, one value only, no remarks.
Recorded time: 8:13
